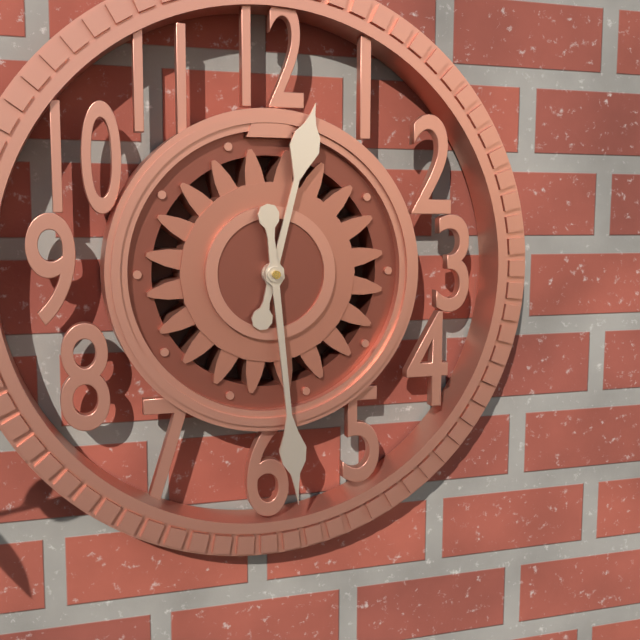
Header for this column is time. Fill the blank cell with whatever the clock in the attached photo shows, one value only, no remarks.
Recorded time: 12:29
